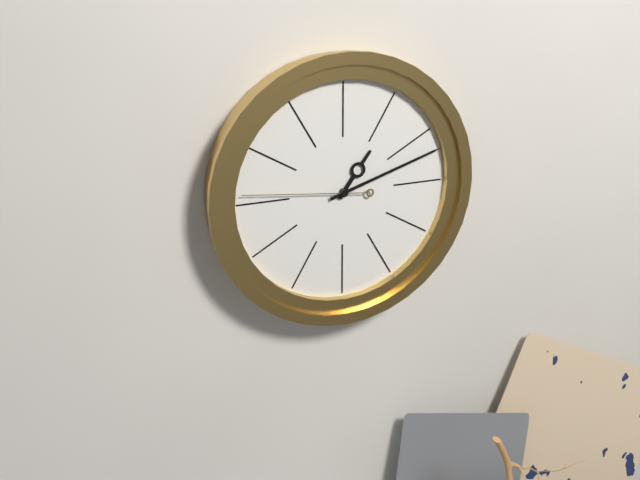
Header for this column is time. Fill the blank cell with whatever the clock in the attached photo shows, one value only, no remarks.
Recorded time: 1:12:46
